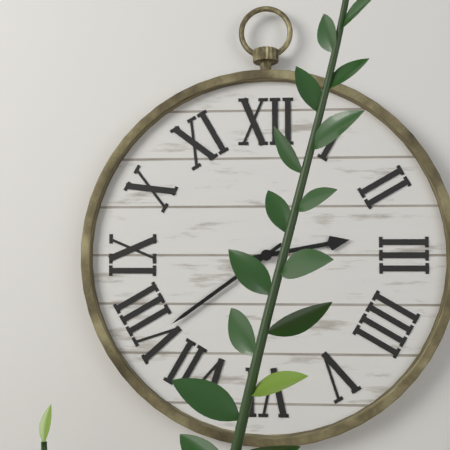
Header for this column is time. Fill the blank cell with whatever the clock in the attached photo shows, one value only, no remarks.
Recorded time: 2:39
